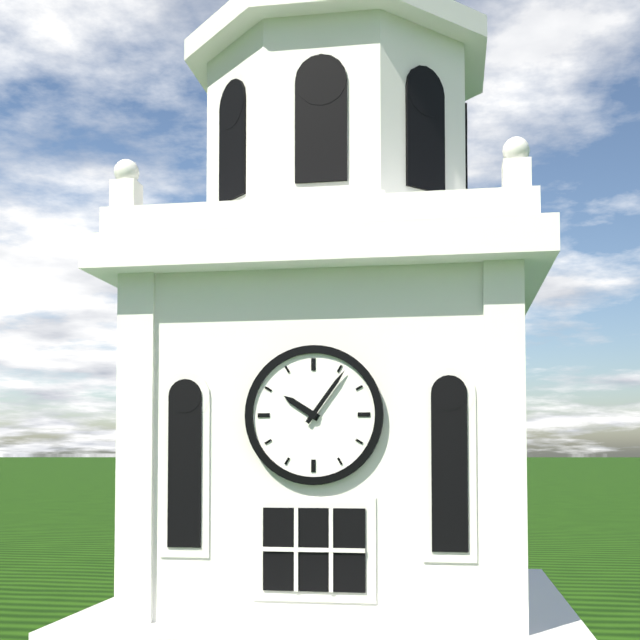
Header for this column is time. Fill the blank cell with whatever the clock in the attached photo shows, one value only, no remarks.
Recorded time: 10:06
